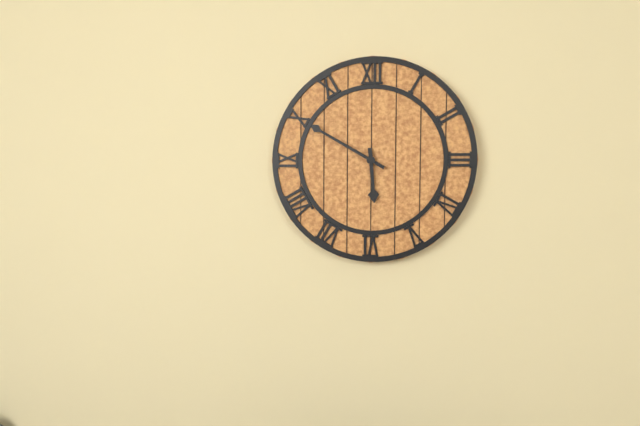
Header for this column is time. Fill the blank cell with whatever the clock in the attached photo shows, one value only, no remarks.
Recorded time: 5:50
